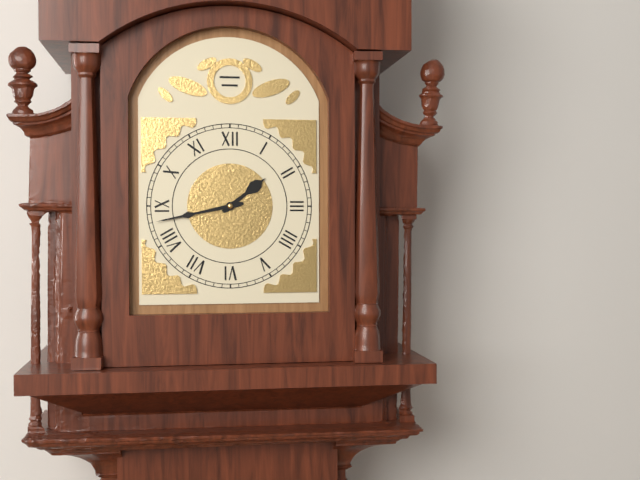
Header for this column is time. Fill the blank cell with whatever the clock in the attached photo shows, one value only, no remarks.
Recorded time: 1:43
